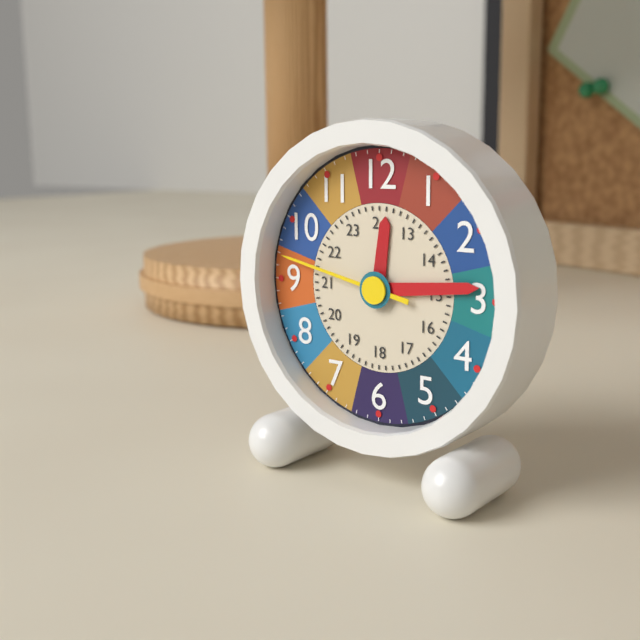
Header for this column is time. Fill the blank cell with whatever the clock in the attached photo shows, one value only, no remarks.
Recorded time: 12:14:47
